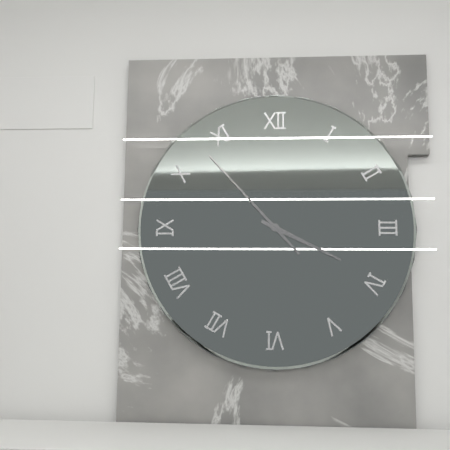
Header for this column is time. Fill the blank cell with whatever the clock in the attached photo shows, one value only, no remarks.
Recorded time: 3:53
